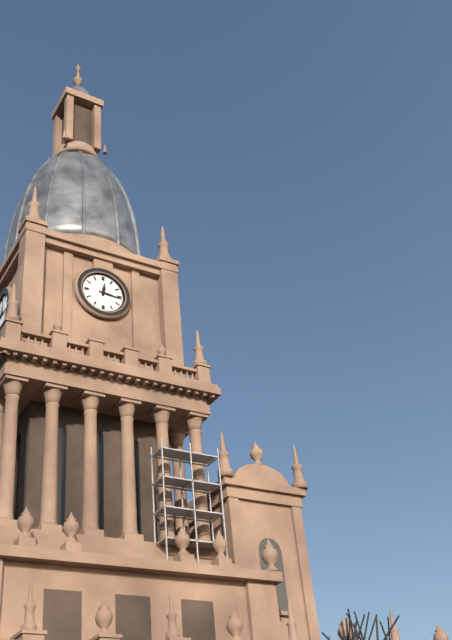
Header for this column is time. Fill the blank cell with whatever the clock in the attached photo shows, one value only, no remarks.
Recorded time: 12:16
